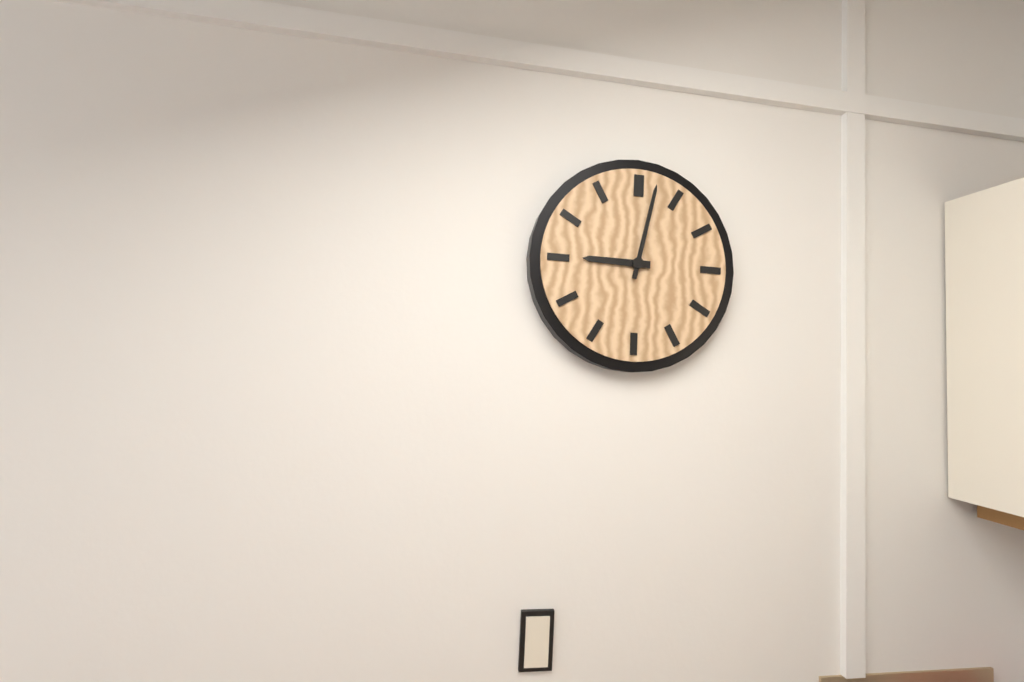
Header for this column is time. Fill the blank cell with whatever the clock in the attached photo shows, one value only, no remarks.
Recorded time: 9:02
